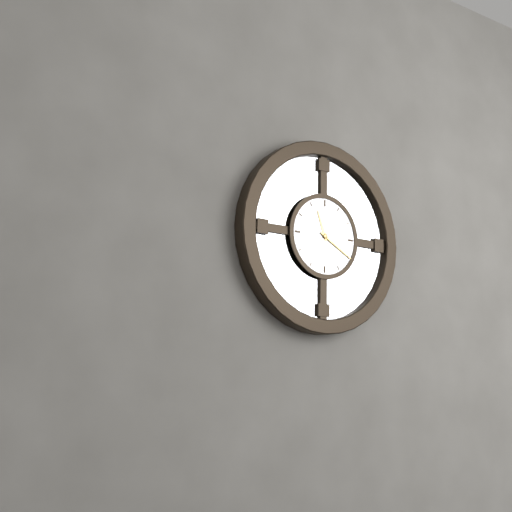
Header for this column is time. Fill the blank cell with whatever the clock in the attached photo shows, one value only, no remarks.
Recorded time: 11:20
